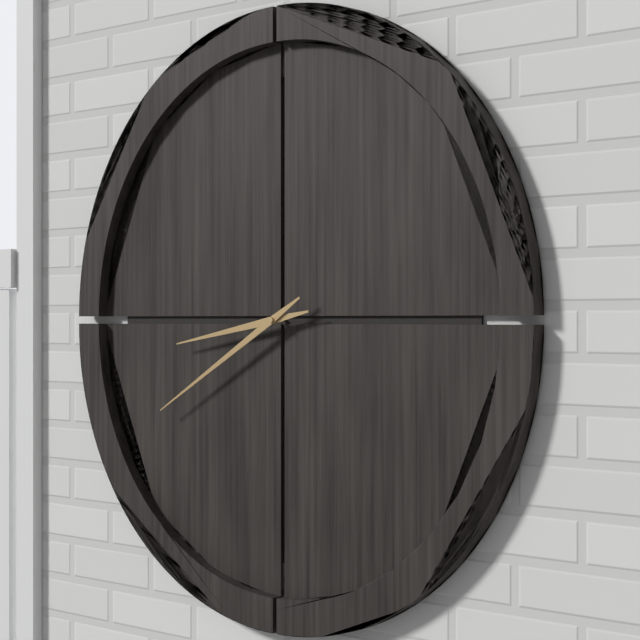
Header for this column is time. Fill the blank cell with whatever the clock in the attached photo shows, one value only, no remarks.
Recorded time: 8:40
